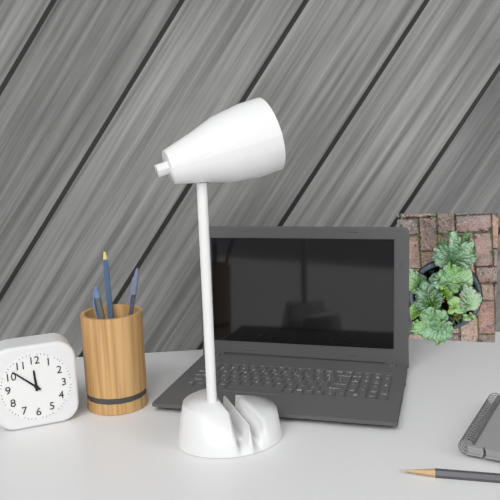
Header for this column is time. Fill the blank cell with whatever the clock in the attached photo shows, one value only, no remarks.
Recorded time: 11:52
